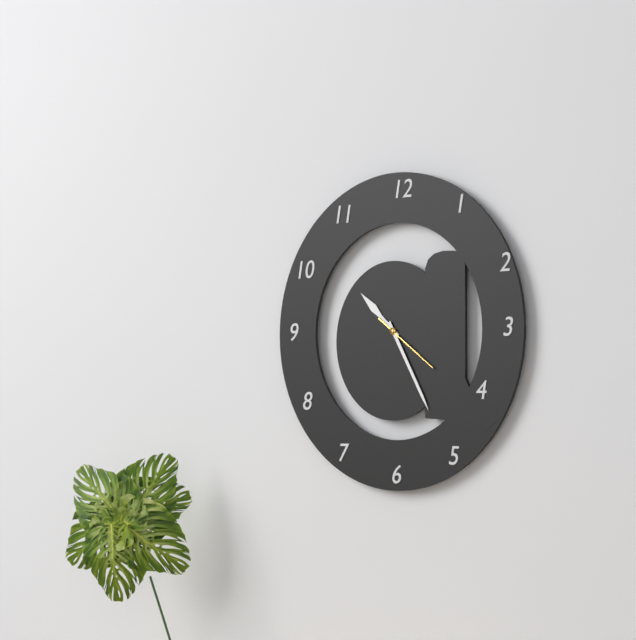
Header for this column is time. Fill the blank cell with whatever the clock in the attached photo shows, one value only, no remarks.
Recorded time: 10:25:21
